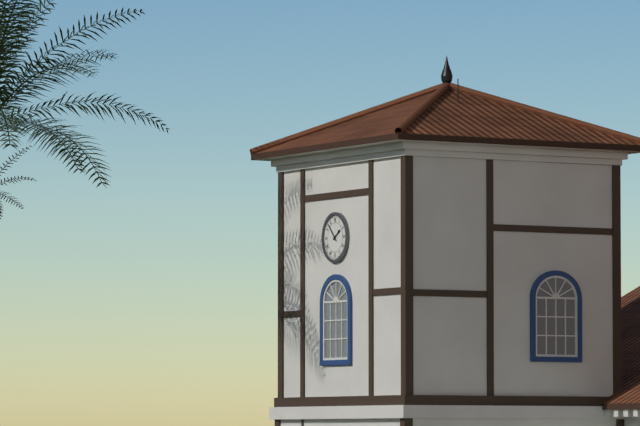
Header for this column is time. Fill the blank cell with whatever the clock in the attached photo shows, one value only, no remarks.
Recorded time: 1:53
